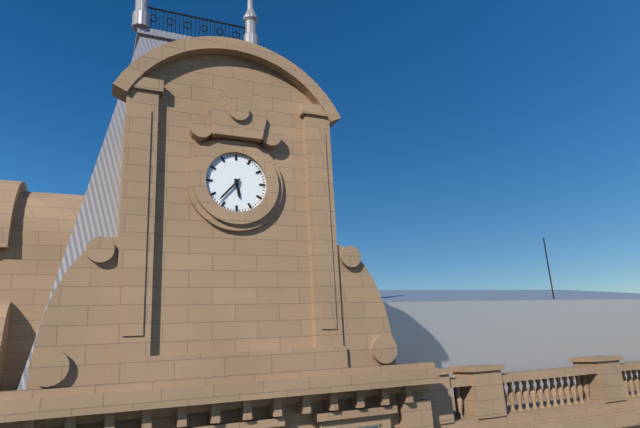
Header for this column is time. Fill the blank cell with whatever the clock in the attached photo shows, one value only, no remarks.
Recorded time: 5:37
